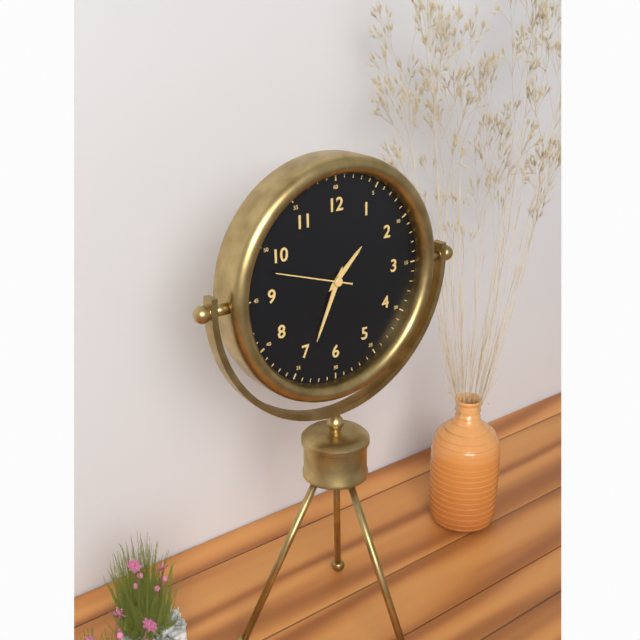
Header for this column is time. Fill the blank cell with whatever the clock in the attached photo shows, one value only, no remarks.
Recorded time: 1:34:48
